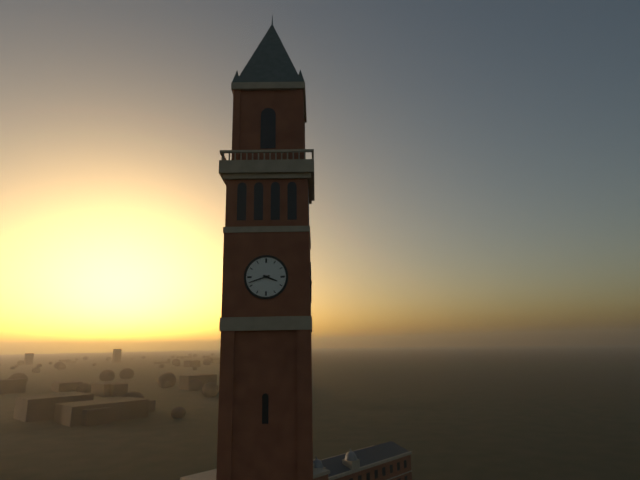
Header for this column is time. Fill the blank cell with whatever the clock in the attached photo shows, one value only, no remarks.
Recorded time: 3:42
